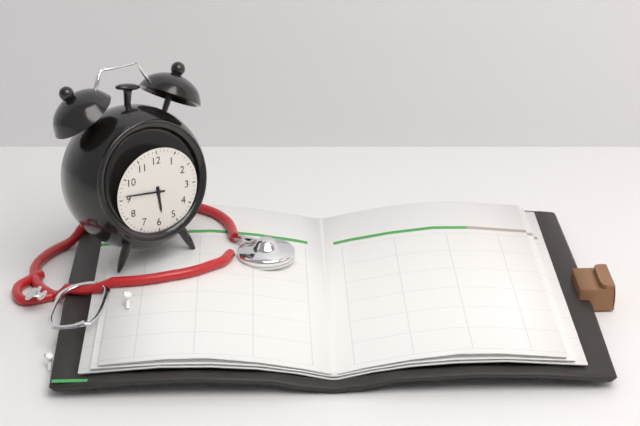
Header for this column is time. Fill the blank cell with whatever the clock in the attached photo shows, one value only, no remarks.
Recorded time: 5:46
